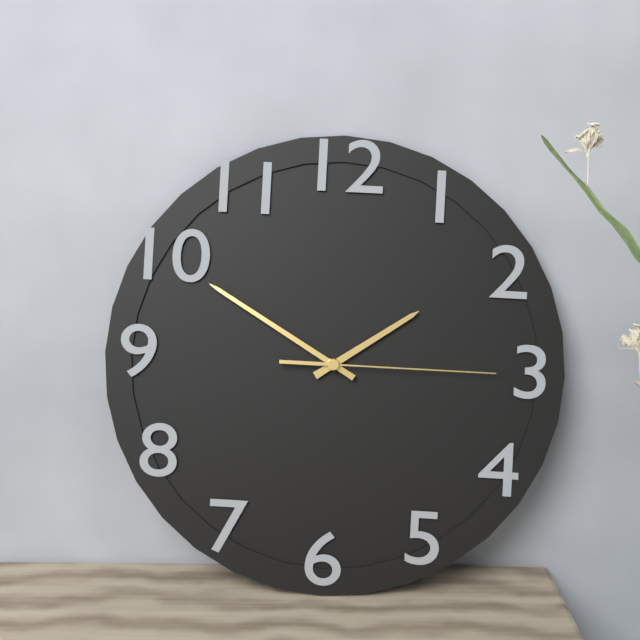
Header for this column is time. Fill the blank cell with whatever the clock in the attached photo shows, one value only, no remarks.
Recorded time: 1:50:15
